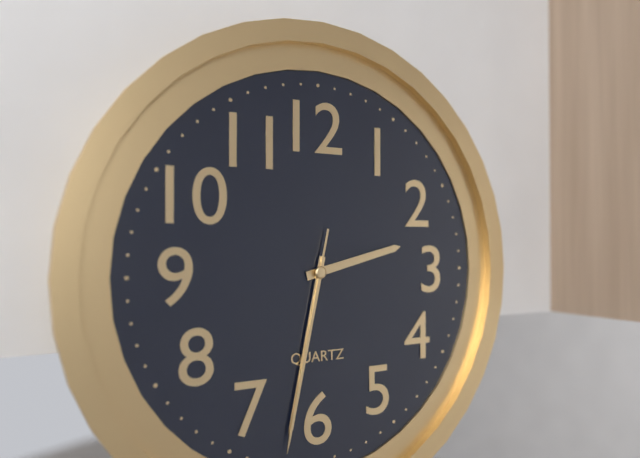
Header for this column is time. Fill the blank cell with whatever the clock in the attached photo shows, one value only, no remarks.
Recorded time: 2:32:32
